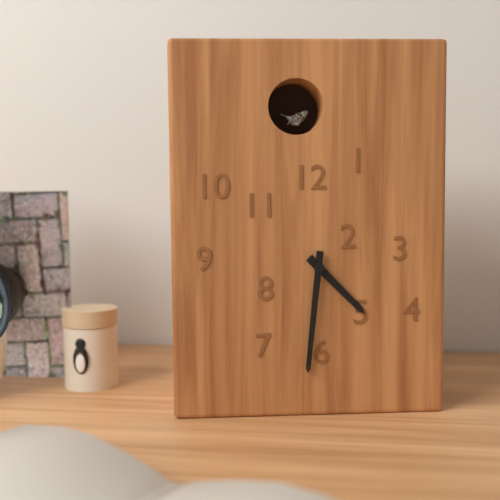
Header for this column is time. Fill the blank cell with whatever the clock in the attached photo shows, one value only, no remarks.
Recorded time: 4:31
